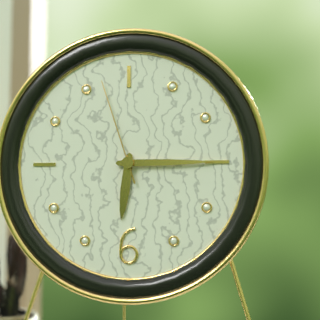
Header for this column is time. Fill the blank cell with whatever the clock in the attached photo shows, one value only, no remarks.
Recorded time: 6:15:57
